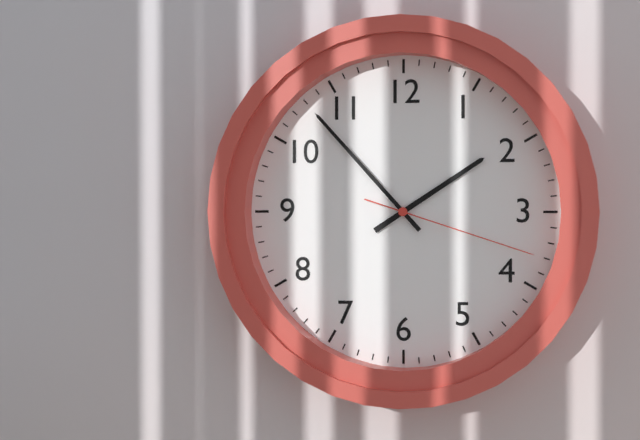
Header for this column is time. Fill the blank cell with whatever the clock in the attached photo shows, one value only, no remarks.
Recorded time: 1:53:18
